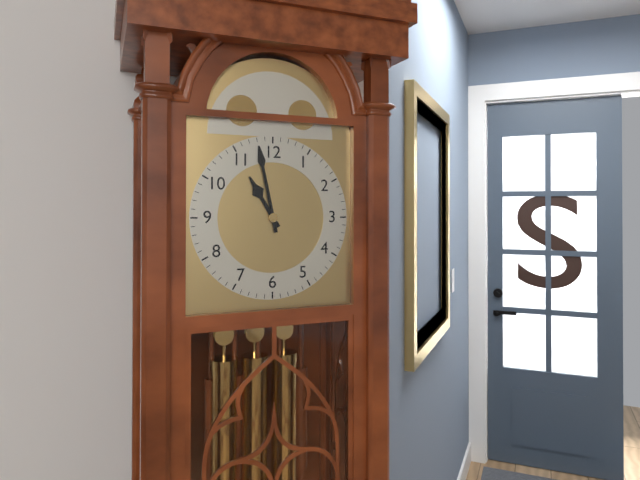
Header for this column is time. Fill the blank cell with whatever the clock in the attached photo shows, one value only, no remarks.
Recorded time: 10:58
